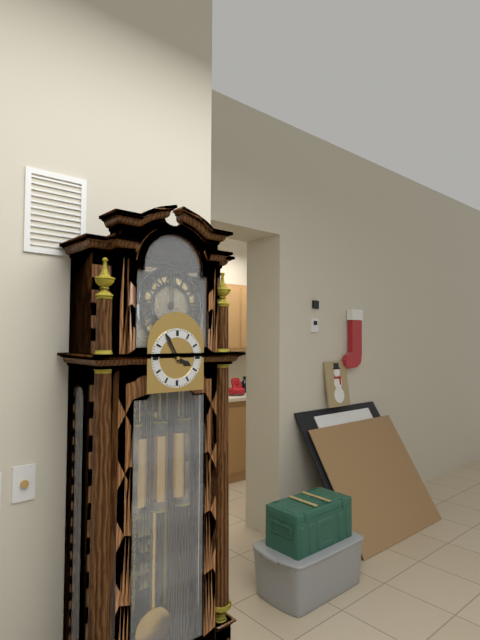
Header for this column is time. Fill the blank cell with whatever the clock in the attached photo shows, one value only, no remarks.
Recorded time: 3:55
